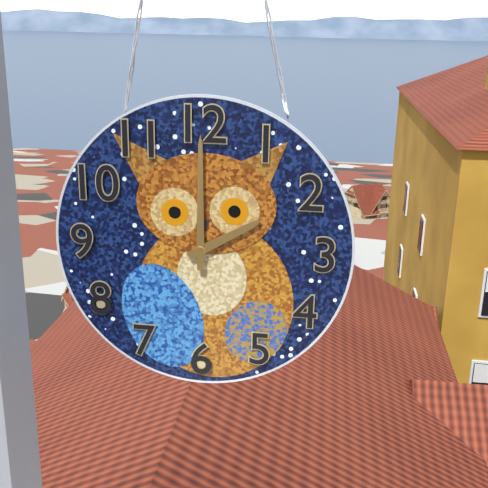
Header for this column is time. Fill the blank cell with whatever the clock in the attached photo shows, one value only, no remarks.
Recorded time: 2:00
